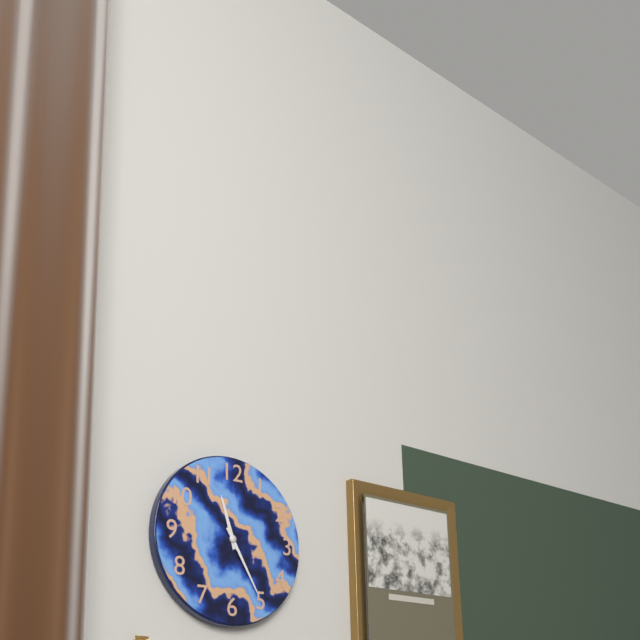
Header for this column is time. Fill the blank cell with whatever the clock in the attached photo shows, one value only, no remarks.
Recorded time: 11:25
